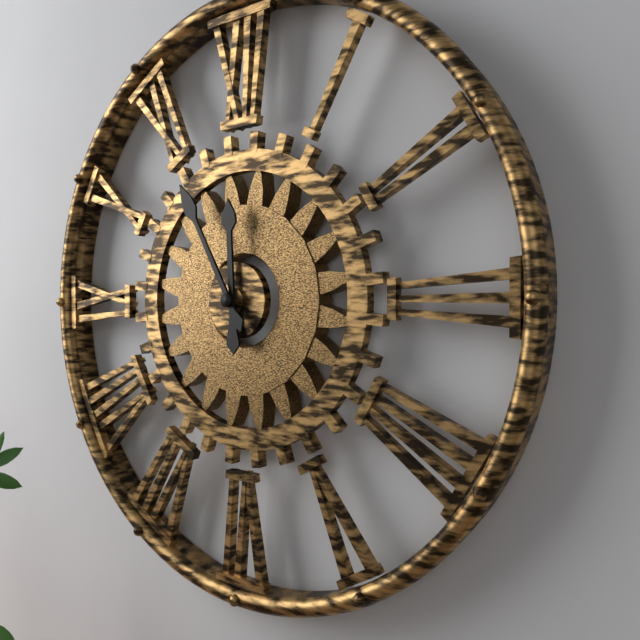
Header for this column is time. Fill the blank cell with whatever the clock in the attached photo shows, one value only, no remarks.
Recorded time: 11:55
